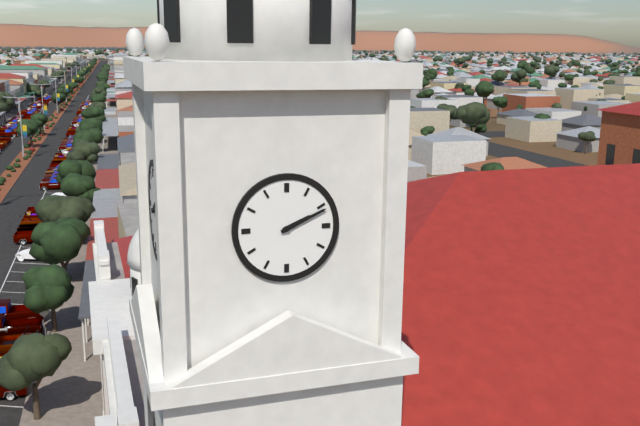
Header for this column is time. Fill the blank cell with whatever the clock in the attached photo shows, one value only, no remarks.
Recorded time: 2:11
